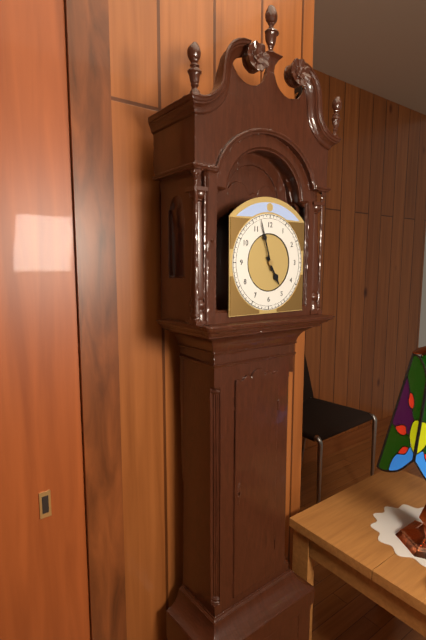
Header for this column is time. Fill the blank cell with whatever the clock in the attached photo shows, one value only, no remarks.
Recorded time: 4:57
